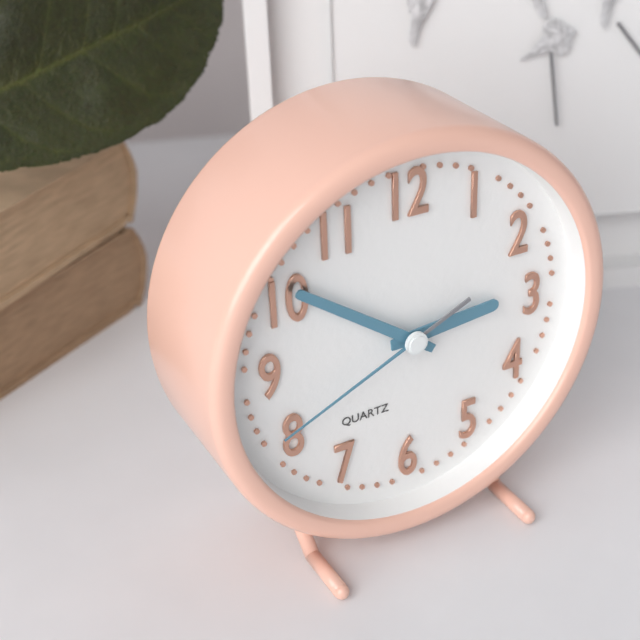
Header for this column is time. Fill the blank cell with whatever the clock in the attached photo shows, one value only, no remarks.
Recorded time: 2:51:41
